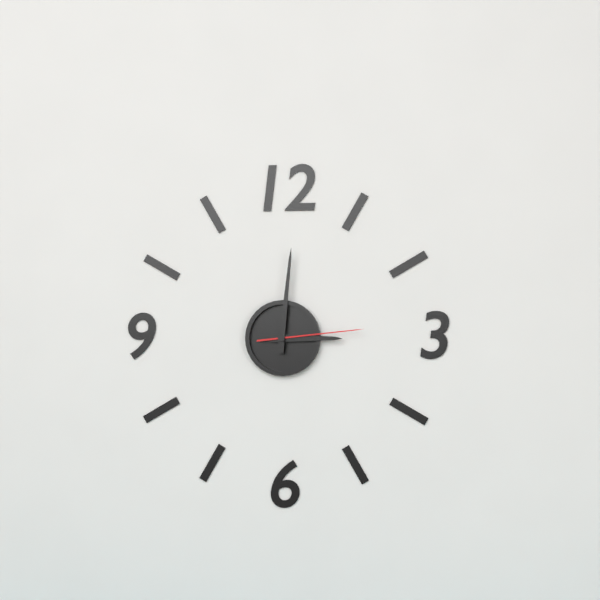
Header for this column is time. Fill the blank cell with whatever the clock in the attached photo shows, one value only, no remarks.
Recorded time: 3:01:14
